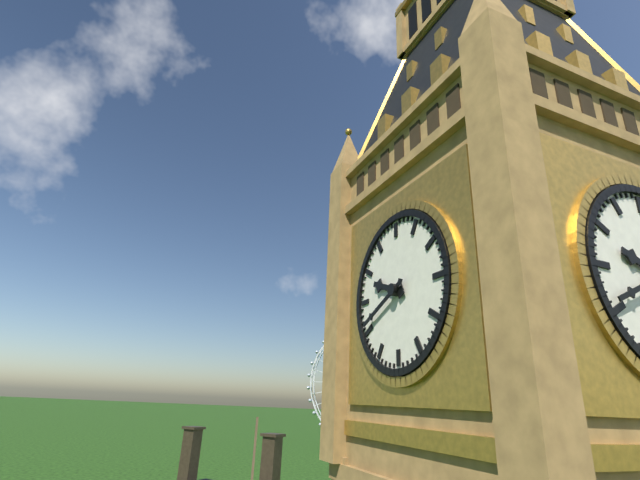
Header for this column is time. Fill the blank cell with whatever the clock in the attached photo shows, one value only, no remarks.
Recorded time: 9:41
